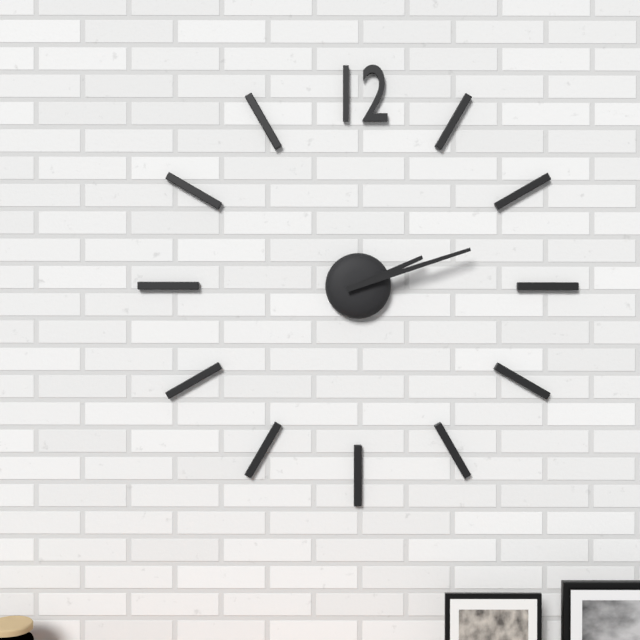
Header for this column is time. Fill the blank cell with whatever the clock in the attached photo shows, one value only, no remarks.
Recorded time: 2:12
